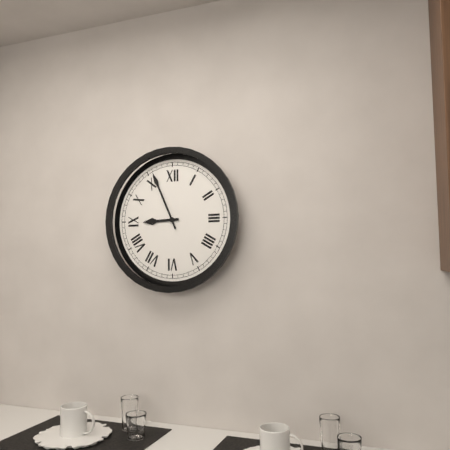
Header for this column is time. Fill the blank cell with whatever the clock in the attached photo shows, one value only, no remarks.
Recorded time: 8:56
